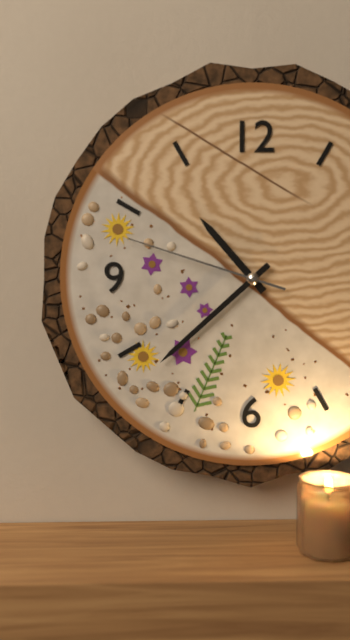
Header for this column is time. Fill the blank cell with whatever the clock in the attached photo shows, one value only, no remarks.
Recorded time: 10:38:48
